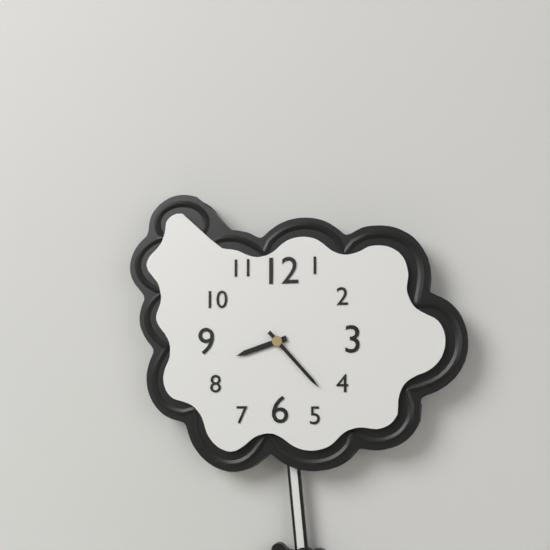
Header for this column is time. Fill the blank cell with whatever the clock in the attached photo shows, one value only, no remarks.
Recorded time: 8:23
